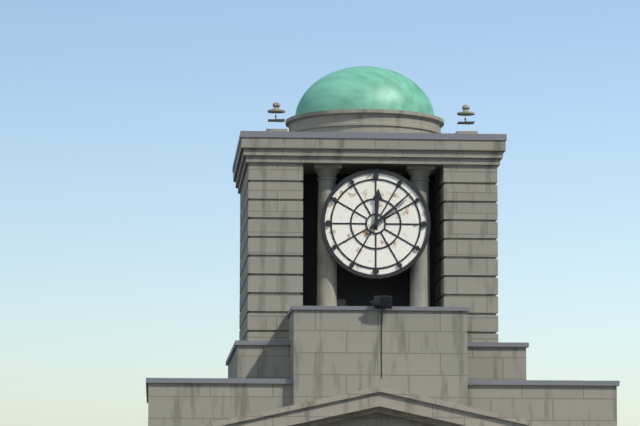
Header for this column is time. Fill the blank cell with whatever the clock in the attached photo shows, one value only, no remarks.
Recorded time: 12:08
